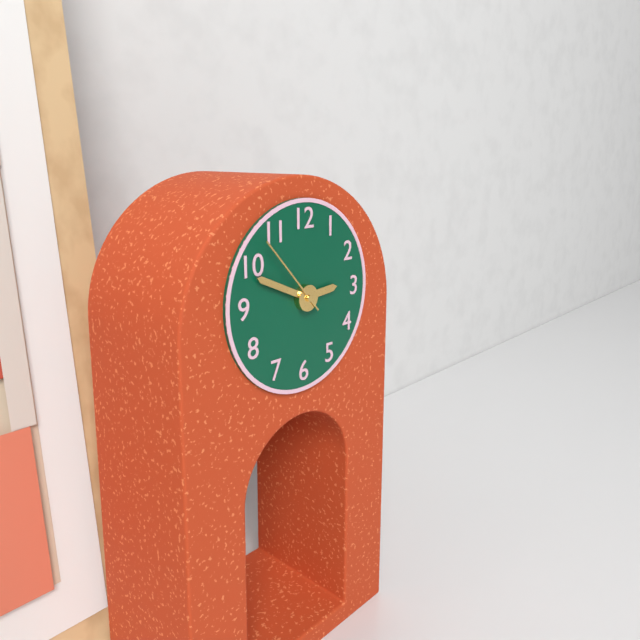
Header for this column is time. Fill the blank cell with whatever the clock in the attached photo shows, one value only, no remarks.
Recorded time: 2:49:53
